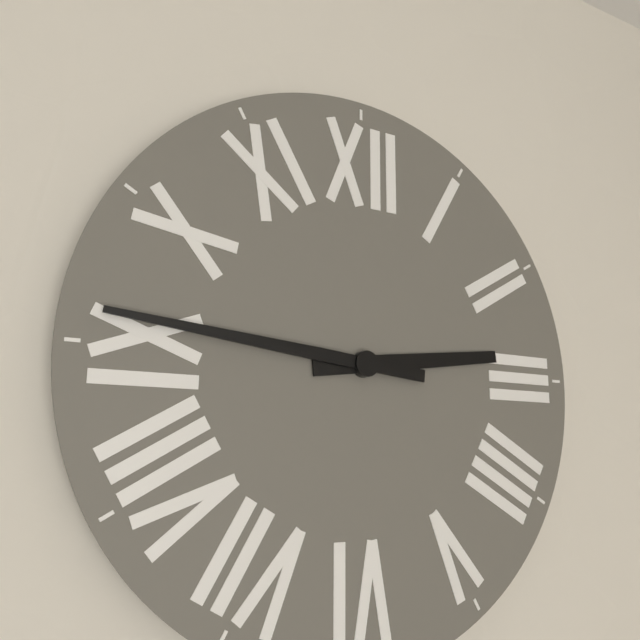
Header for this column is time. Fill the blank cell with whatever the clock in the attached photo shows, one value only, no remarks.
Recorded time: 2:46
